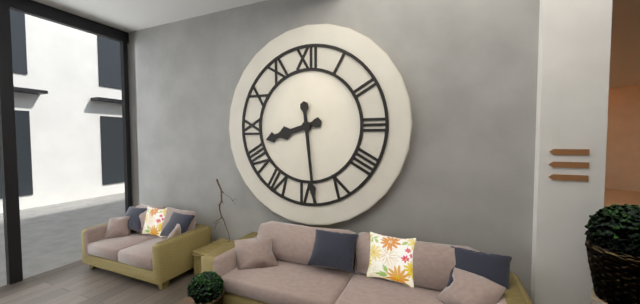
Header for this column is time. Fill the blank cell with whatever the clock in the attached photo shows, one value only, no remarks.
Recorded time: 8:29
